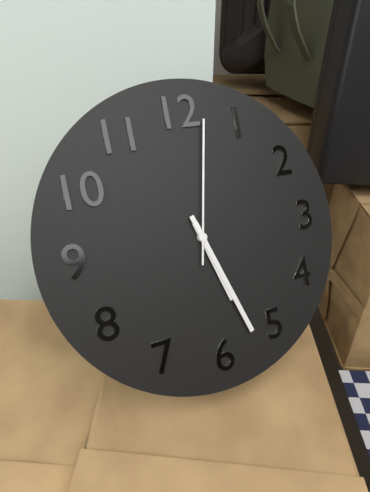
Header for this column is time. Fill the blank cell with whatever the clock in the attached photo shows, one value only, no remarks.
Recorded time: 5:27:02
